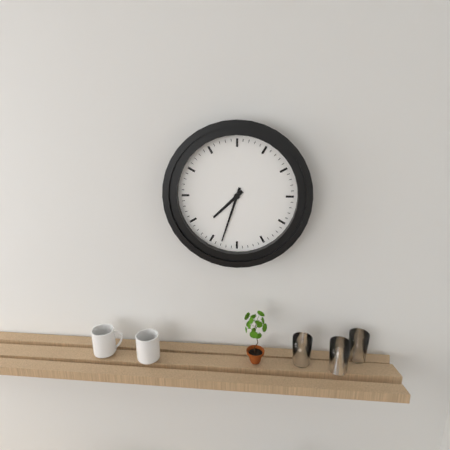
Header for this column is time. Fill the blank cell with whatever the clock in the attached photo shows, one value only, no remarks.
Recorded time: 7:33
